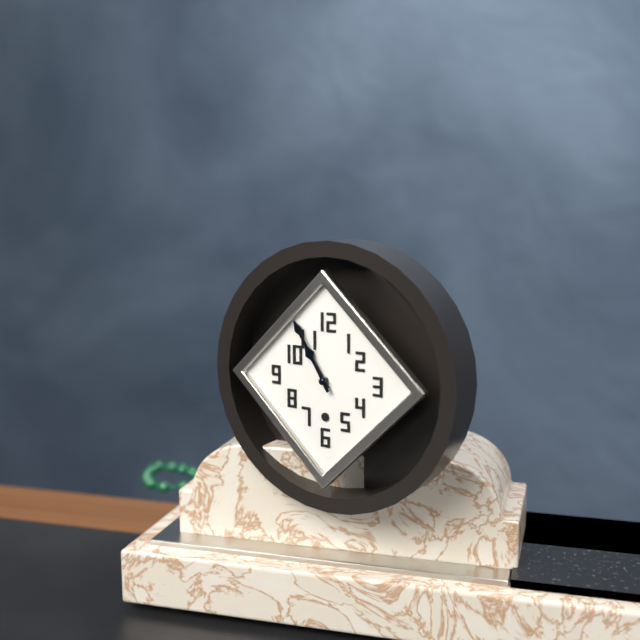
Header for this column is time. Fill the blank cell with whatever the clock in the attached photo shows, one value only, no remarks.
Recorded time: 10:55
